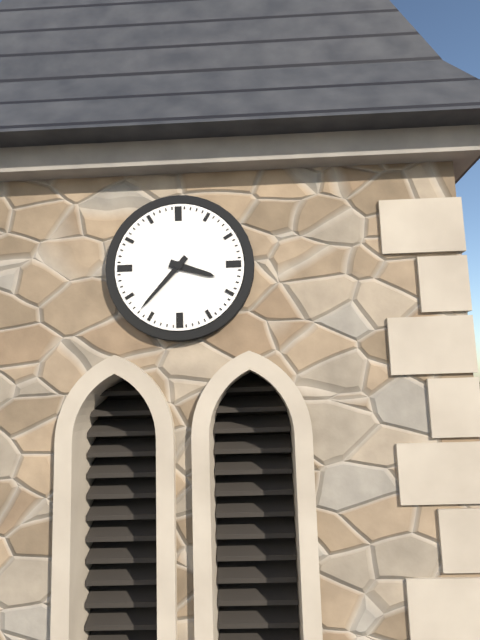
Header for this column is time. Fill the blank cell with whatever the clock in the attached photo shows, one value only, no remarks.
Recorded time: 3:37
